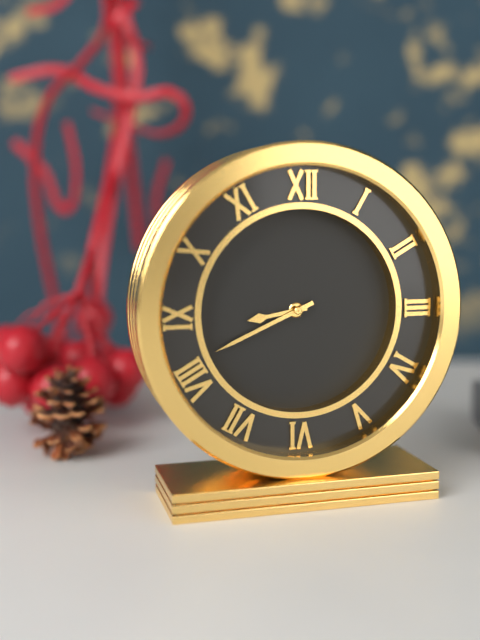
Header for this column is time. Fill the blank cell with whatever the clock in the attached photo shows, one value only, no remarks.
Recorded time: 8:41
